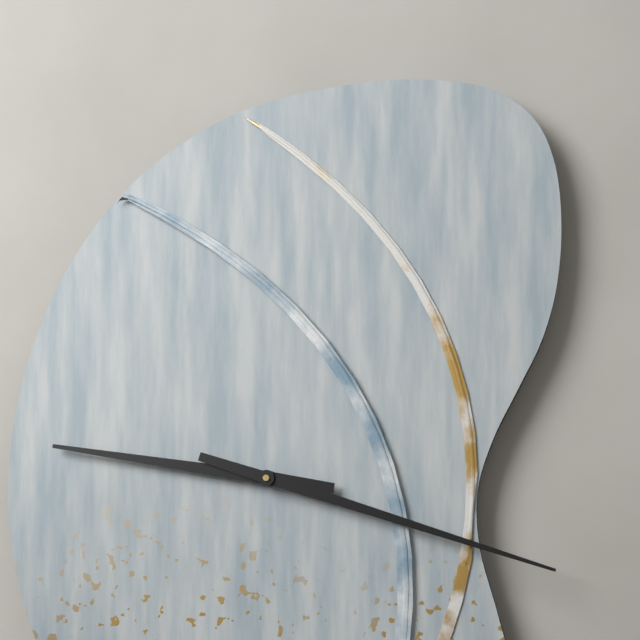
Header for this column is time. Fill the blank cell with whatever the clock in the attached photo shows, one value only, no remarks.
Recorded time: 9:18
